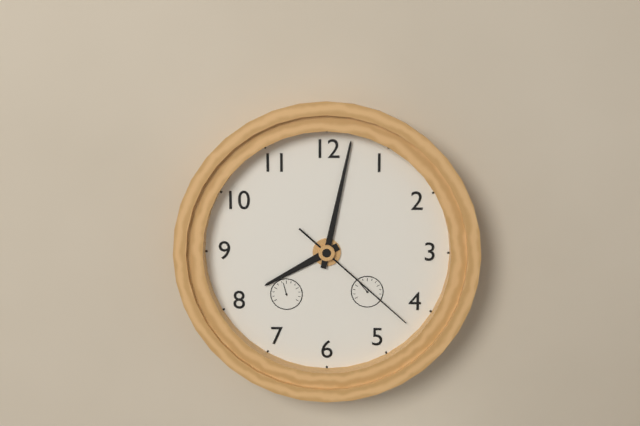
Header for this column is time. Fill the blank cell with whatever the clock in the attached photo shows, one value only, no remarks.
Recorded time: 8:02:22
